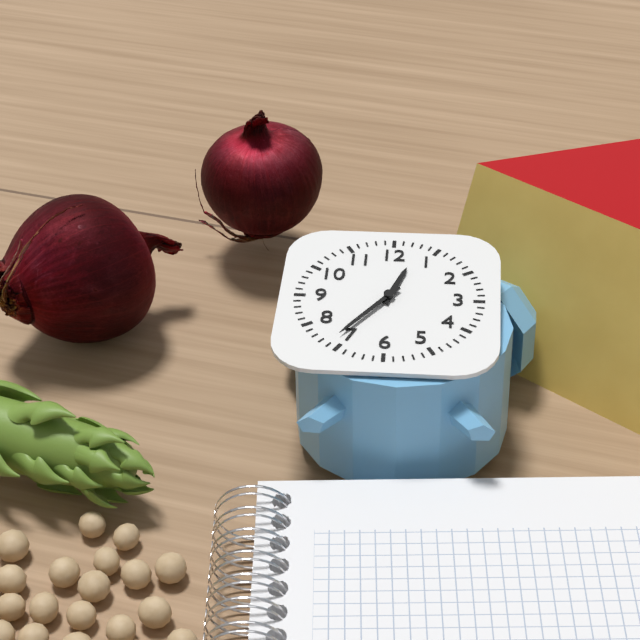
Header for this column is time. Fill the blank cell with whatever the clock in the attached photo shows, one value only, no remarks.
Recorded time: 12:36
